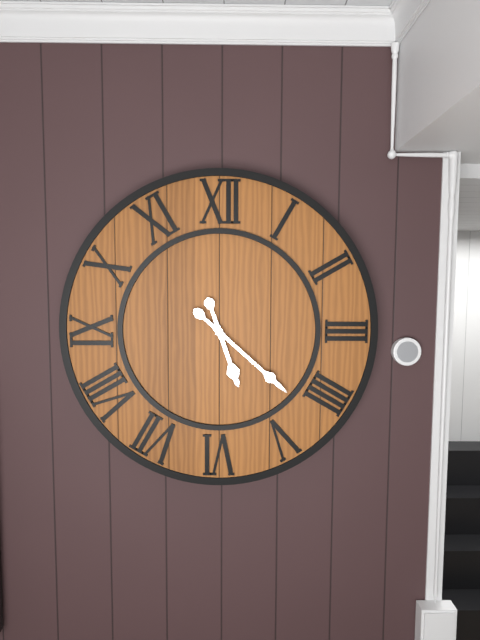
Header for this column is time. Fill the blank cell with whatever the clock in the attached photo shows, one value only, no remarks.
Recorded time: 5:22
